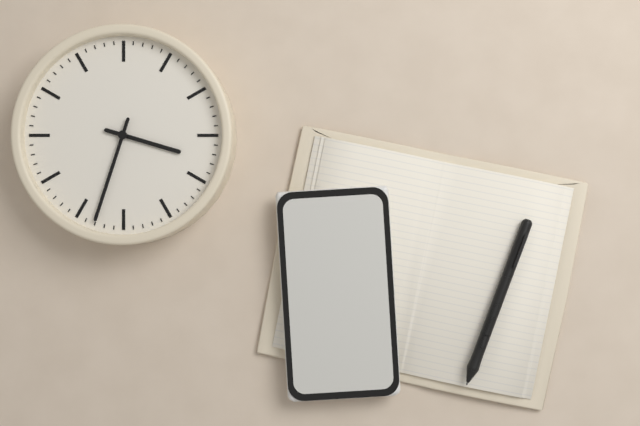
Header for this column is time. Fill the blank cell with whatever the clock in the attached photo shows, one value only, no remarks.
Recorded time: 3:33
